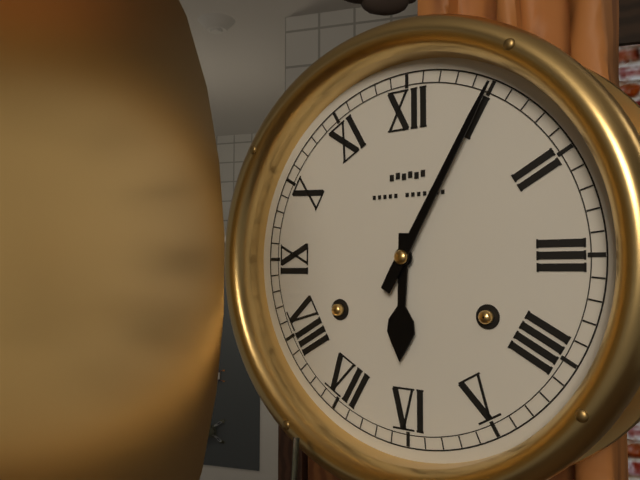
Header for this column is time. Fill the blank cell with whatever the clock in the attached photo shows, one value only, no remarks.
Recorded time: 6:05
